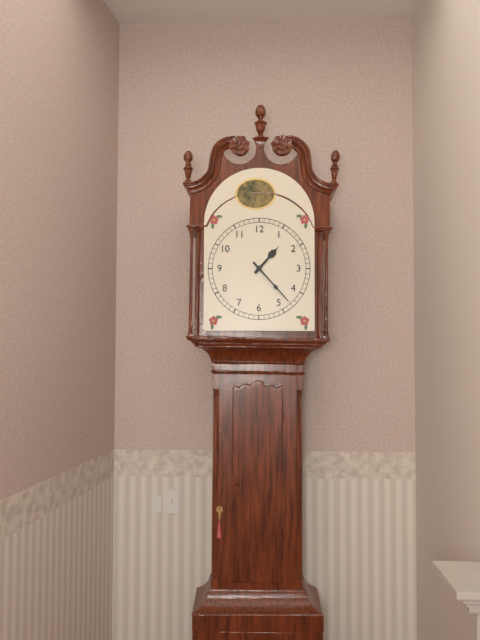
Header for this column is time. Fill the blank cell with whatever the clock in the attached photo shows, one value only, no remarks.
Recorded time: 1:23
